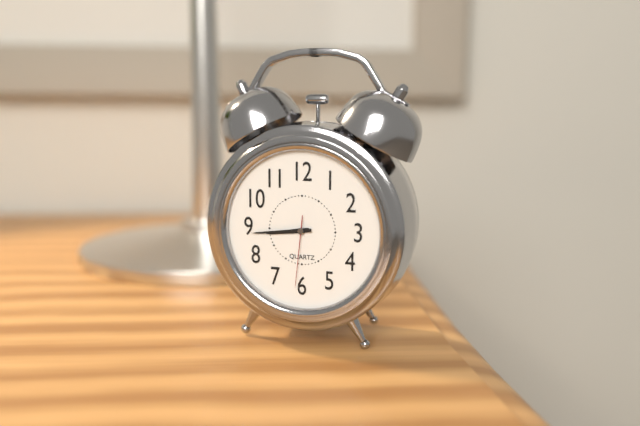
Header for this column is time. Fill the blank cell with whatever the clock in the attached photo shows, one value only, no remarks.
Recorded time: 8:44:31
